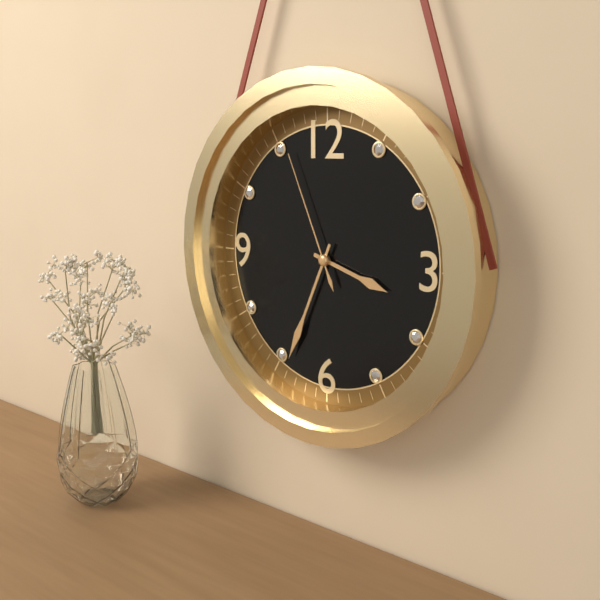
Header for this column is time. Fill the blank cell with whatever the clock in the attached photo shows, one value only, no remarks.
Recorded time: 3:34:56
